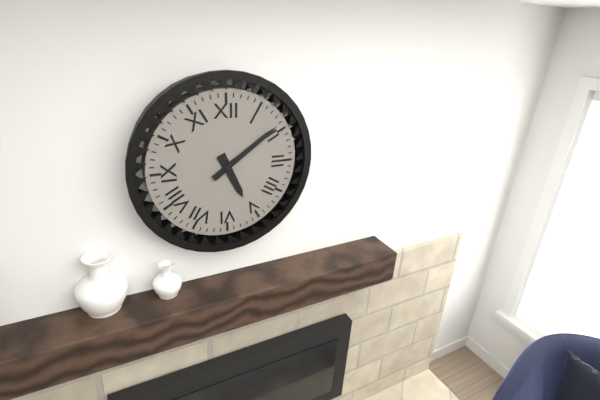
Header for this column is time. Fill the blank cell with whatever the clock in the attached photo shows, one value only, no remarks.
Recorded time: 5:09
